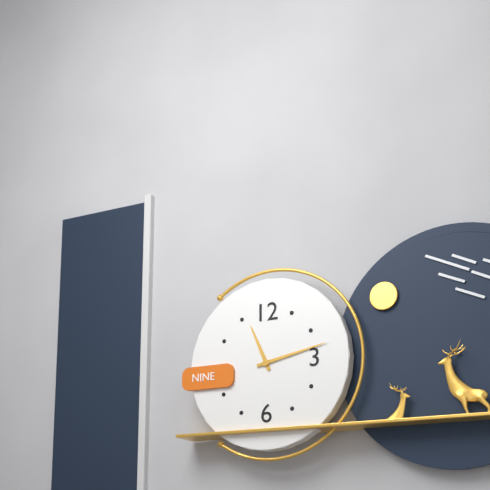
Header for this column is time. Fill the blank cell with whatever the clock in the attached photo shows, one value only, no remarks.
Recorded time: 11:13
